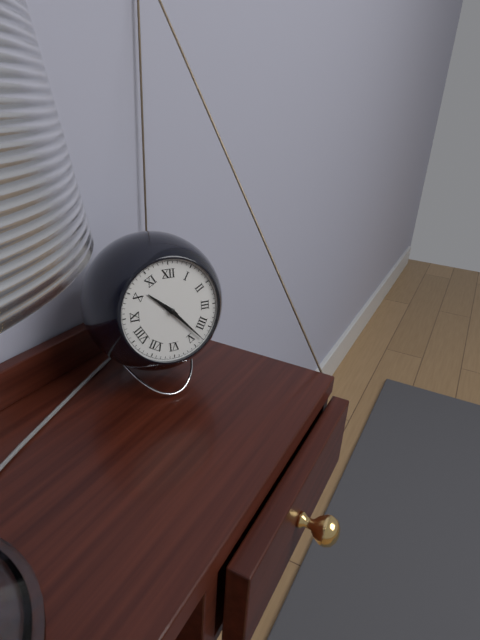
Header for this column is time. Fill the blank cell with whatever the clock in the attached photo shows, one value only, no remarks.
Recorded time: 10:23
